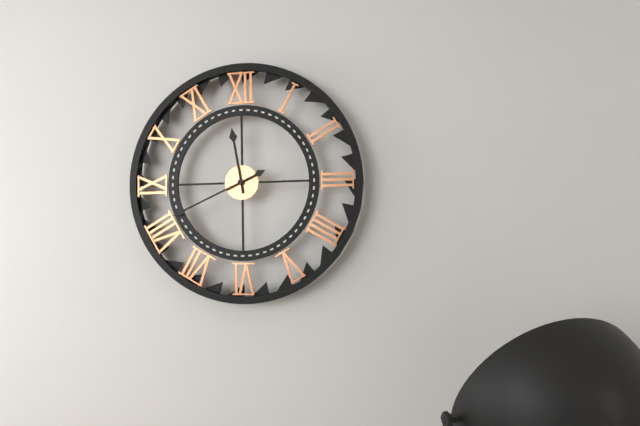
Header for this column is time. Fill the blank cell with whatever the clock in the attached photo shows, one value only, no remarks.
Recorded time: 11:41
